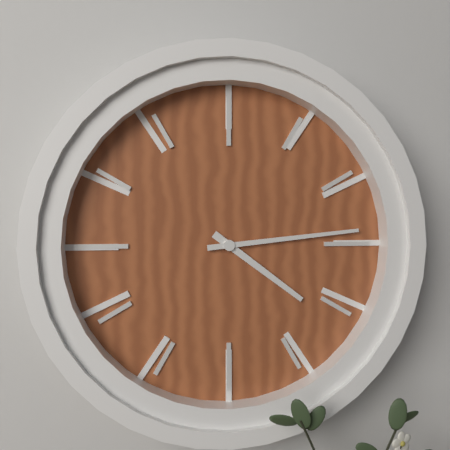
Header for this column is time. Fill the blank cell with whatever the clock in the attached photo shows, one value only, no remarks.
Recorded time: 4:14
